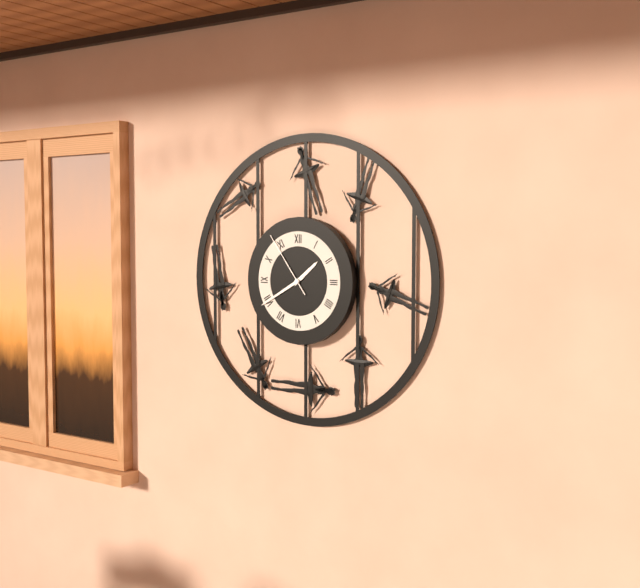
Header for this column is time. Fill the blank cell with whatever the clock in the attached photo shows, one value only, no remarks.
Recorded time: 1:40:54
